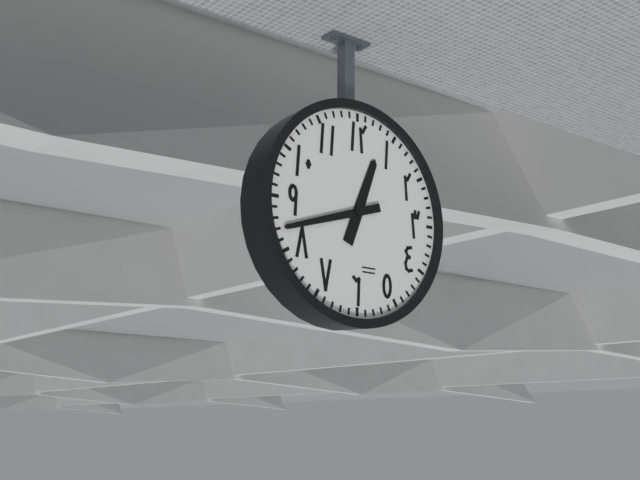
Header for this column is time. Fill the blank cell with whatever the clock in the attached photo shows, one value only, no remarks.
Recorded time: 12:42
